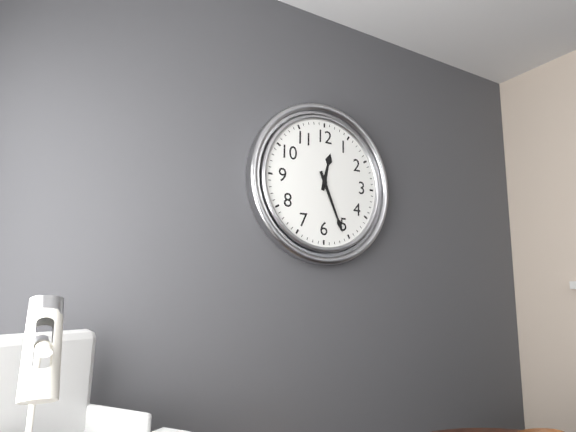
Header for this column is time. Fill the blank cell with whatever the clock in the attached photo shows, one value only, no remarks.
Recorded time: 12:26
